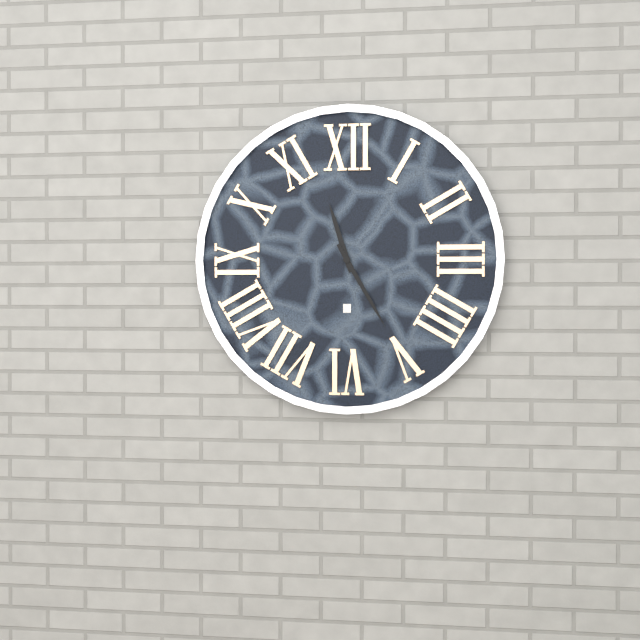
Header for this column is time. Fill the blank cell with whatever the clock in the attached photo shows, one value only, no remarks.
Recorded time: 11:25
